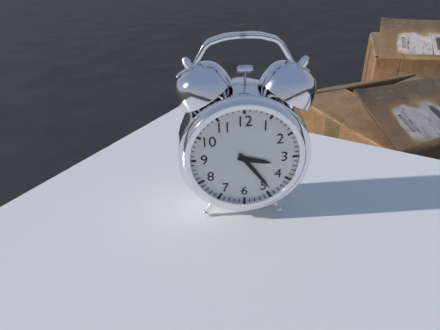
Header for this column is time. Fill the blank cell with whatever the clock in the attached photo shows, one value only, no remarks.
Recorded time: 3:24
